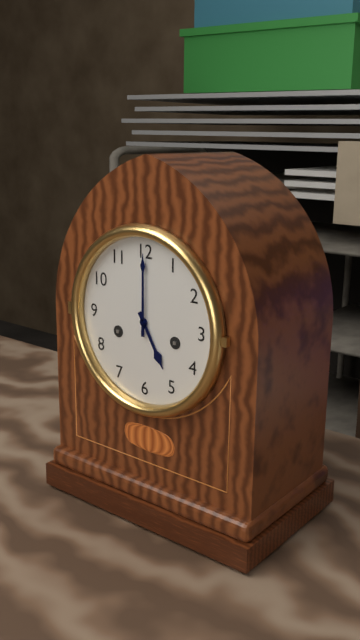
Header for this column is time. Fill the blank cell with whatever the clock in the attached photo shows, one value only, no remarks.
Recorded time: 5:00
